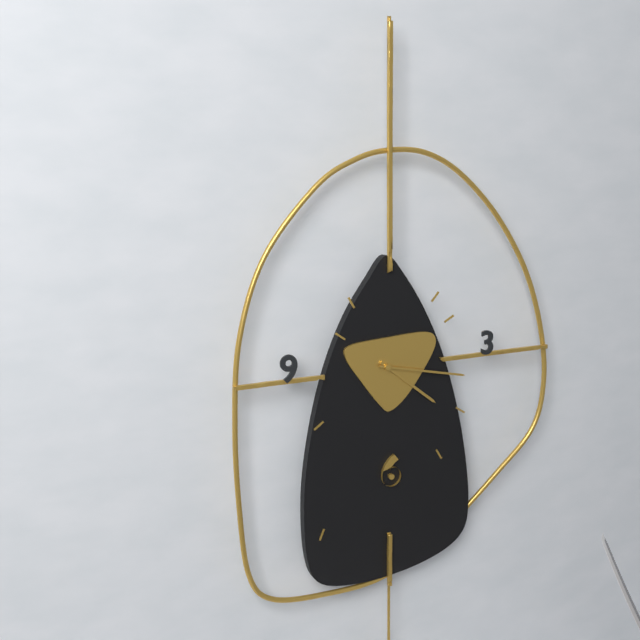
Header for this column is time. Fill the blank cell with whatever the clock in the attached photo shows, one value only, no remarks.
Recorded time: 4:17
